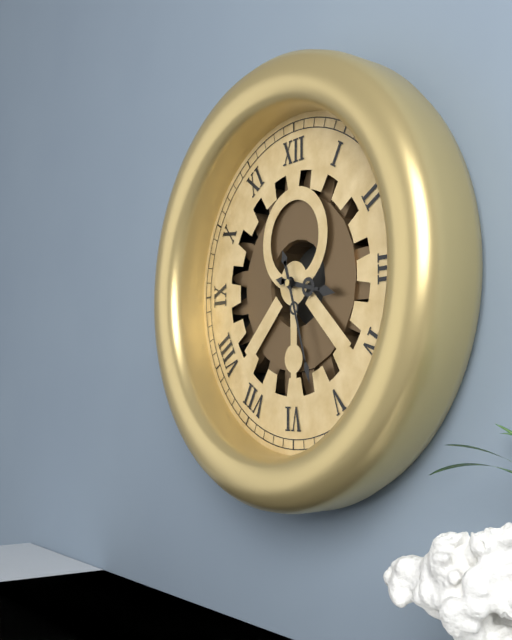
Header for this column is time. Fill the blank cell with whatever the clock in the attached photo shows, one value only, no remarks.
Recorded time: 3:27
